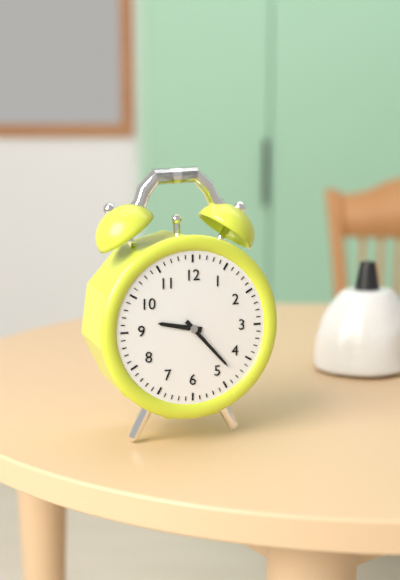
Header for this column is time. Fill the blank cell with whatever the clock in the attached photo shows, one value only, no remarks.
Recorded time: 9:23
